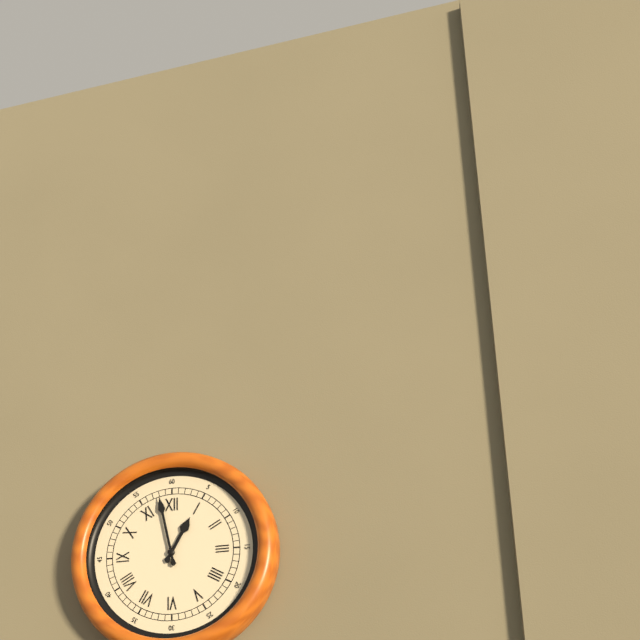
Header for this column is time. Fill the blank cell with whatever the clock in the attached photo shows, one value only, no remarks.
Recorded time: 12:58
